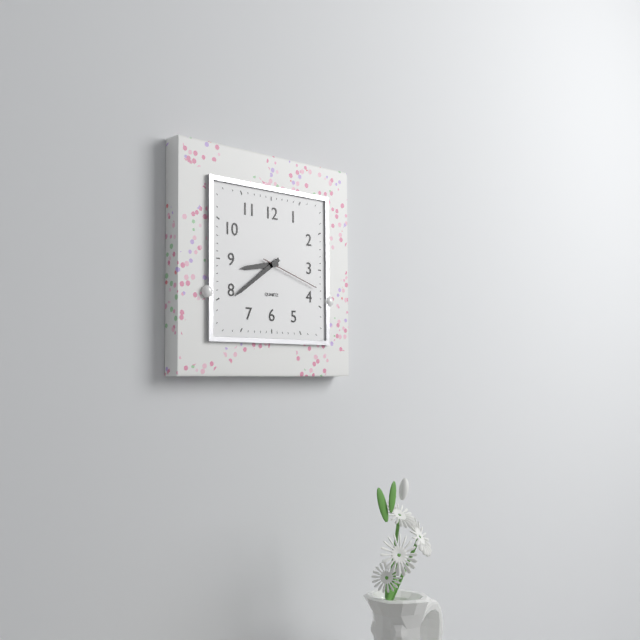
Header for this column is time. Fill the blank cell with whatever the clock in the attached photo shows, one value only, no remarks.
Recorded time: 8:39:18
